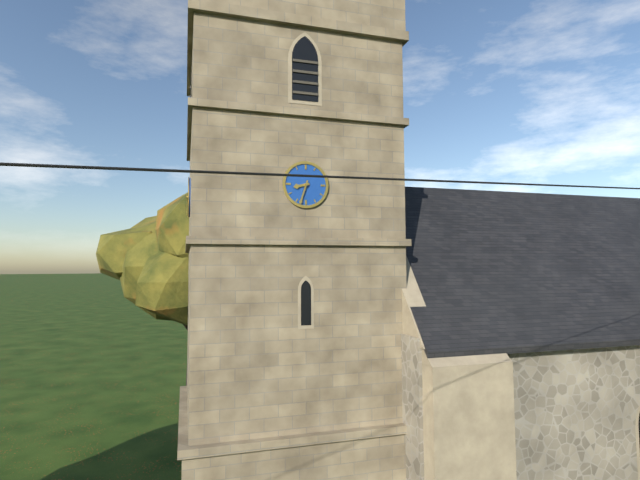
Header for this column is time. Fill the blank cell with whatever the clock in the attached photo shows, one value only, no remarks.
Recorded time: 8:33
